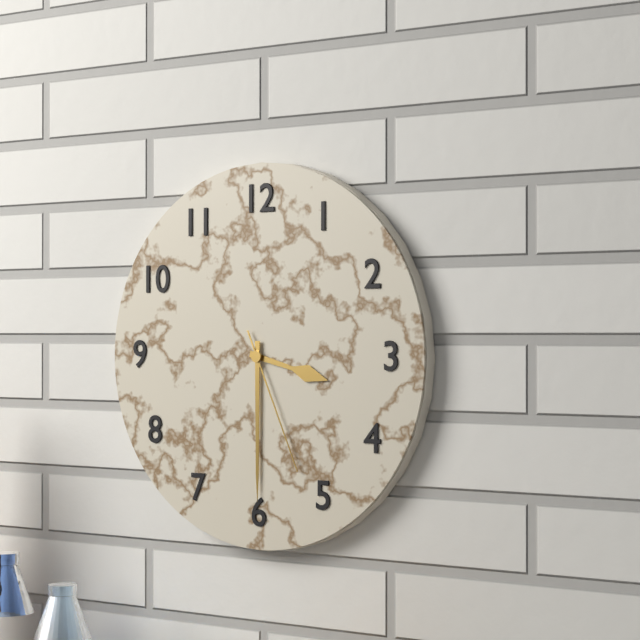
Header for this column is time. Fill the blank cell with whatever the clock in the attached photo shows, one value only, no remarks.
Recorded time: 3:30:26
